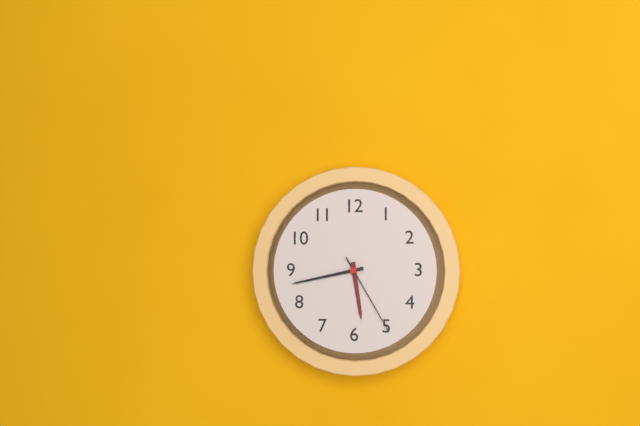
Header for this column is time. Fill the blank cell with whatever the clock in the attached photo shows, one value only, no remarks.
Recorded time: 5:43:25
